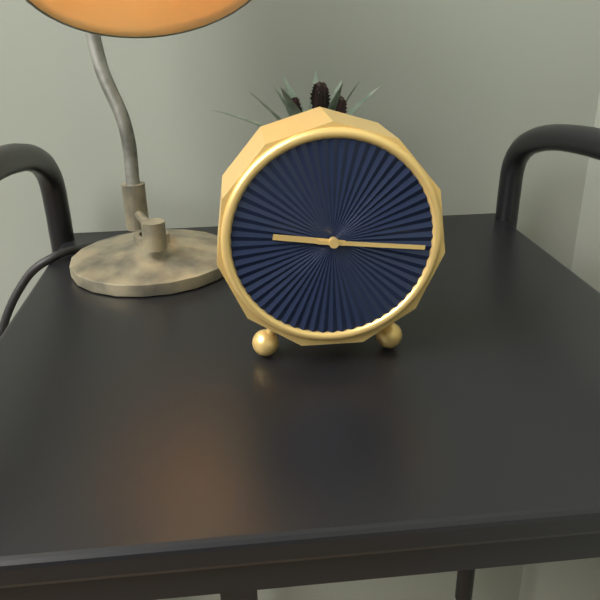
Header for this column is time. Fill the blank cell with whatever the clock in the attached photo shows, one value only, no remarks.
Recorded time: 9:16
